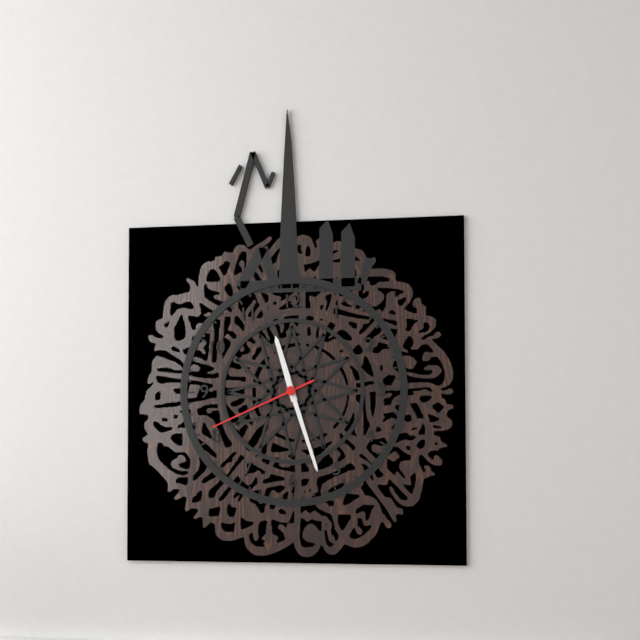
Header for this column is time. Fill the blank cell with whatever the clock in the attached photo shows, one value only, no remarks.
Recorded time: 11:27:41
